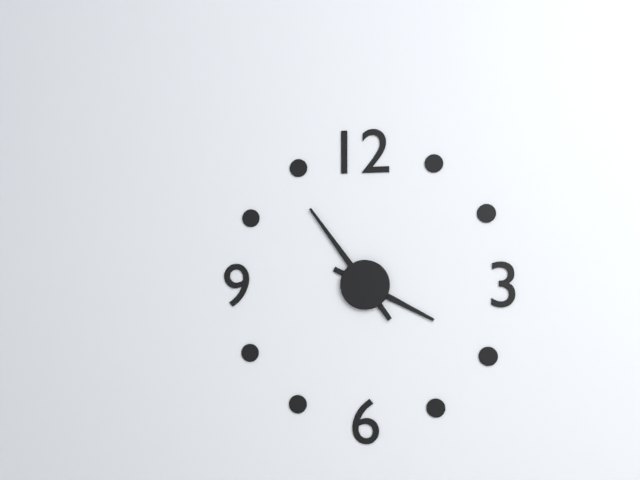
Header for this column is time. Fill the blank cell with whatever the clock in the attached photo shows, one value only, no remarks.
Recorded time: 3:54
